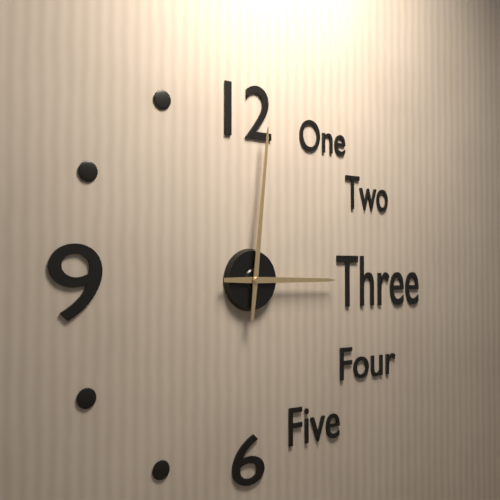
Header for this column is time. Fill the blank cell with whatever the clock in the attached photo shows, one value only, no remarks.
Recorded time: 3:01
